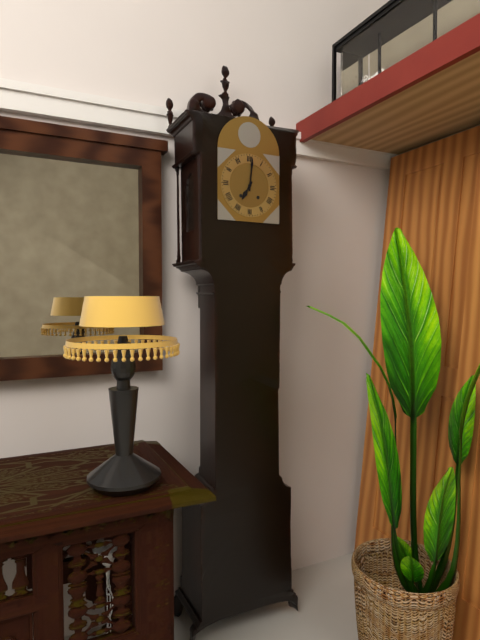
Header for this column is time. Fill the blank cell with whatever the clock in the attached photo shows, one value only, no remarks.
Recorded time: 7:01
